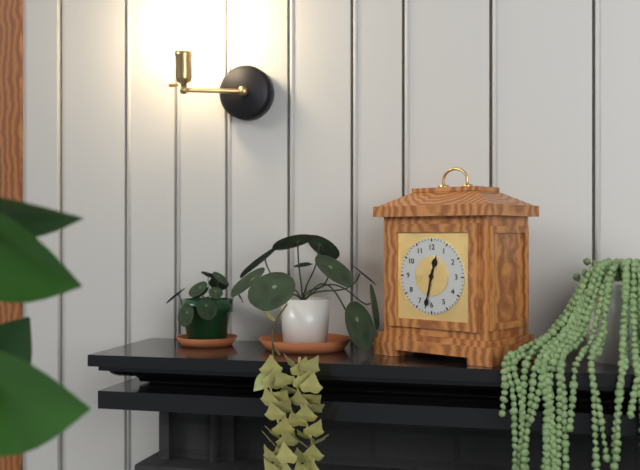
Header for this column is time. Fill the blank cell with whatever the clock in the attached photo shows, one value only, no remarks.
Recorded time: 12:32
